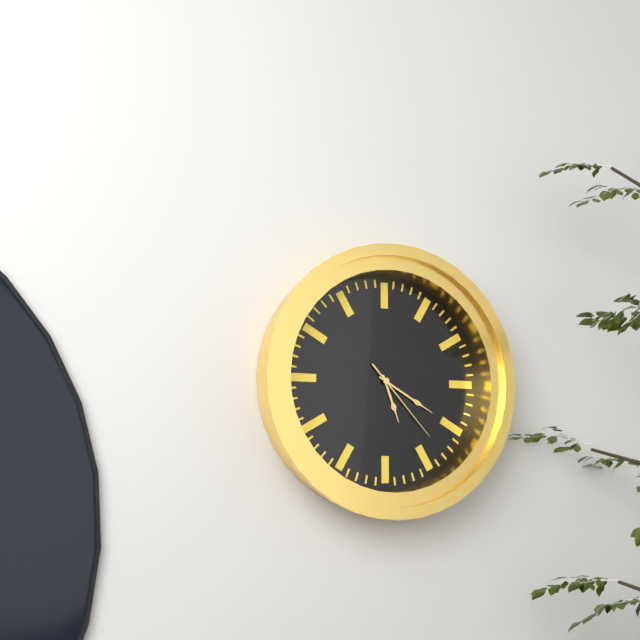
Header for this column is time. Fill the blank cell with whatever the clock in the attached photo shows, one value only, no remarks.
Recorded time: 5:20:23
